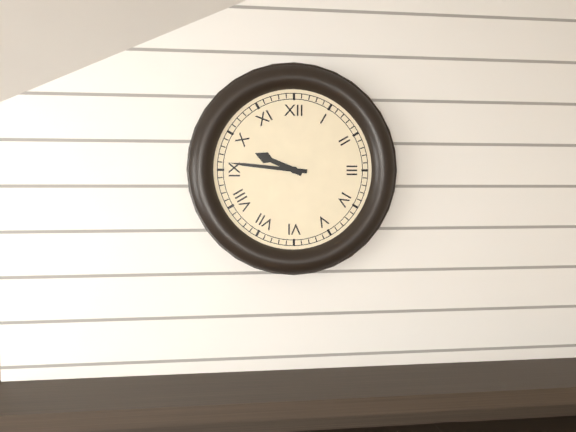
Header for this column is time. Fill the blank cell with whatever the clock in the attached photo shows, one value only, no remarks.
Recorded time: 9:46
